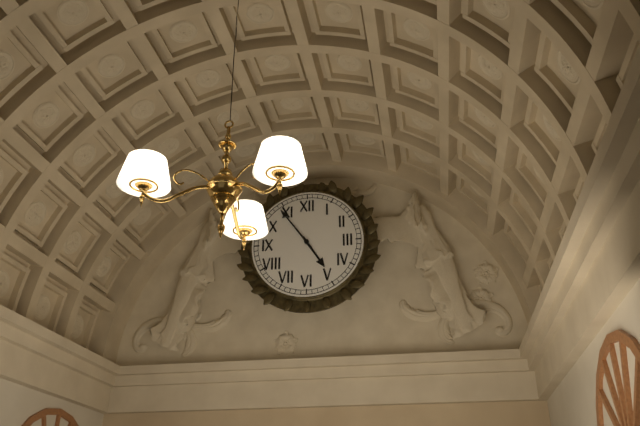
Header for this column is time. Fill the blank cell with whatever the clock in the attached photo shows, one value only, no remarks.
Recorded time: 4:54
